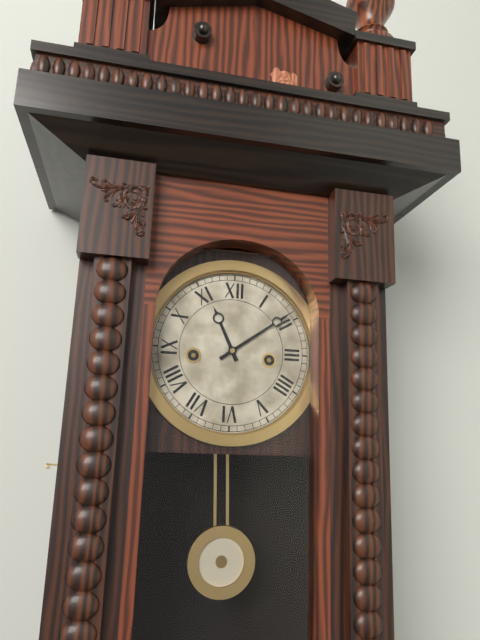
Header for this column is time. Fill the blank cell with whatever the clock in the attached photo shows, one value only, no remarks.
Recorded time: 11:09
